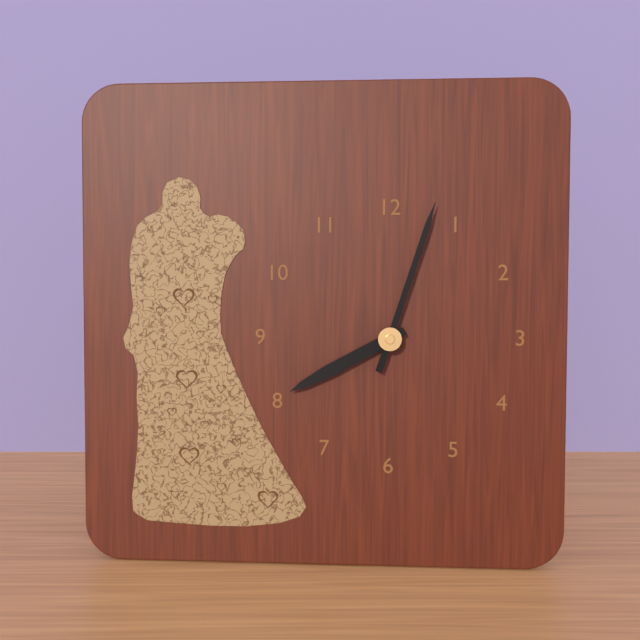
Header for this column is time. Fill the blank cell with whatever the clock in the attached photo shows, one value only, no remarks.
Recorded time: 8:03
